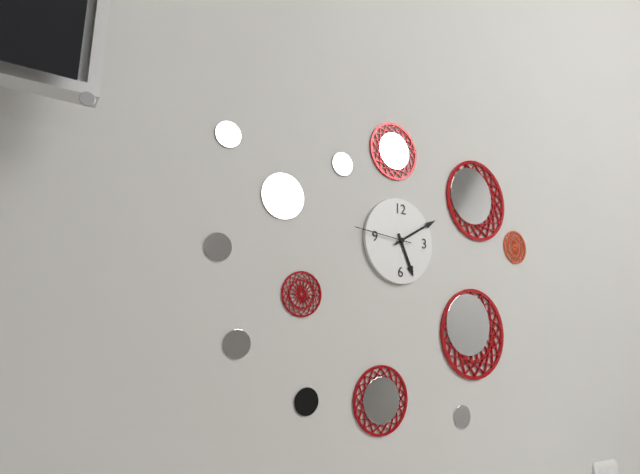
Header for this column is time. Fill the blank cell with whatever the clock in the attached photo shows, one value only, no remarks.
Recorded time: 5:10:46
